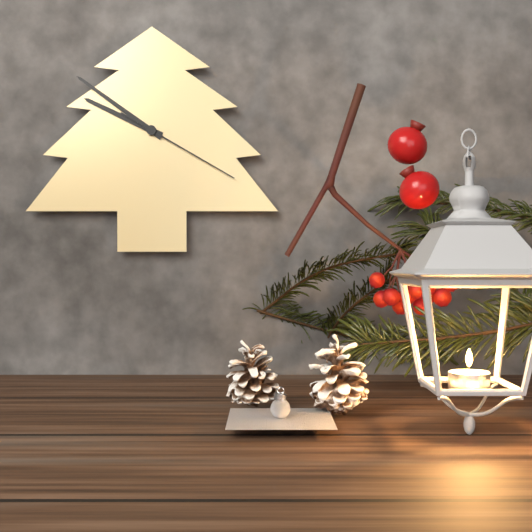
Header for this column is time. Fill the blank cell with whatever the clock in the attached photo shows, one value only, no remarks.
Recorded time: 9:51:20
